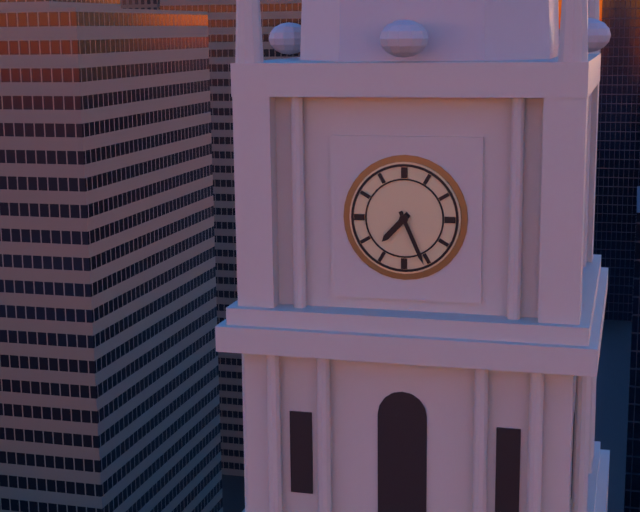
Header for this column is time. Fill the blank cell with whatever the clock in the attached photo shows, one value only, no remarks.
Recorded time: 7:26
